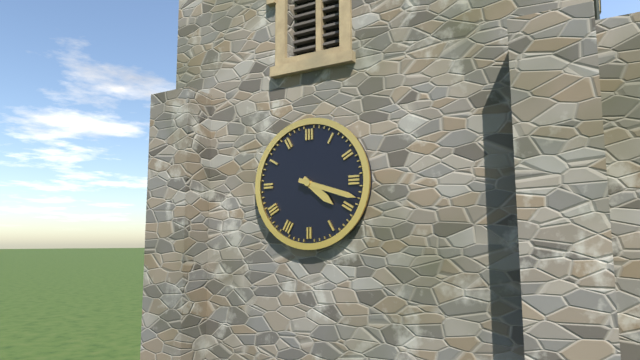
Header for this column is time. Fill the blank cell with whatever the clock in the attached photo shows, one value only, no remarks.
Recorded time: 4:18
